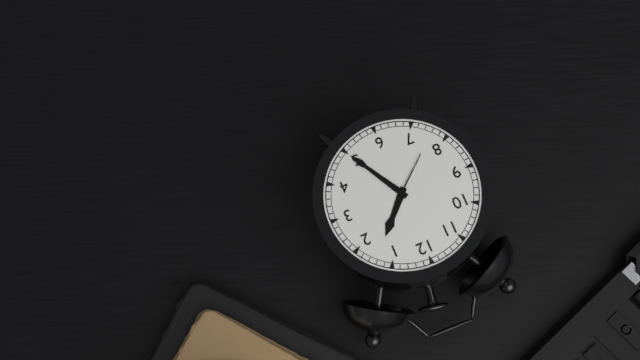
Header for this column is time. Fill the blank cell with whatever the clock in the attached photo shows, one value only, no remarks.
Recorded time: 1:25:38
